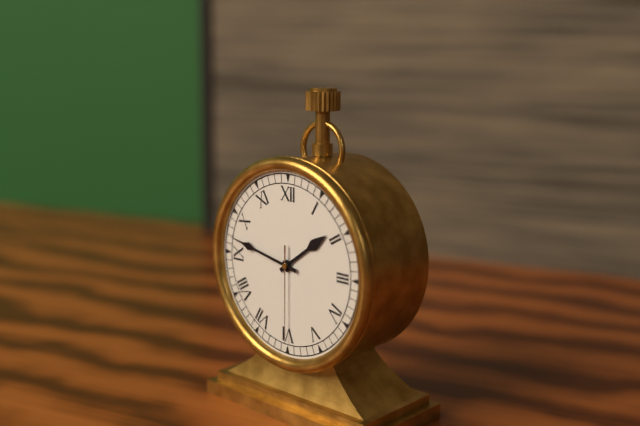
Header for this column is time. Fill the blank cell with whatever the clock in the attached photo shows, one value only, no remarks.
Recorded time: 1:47:30
